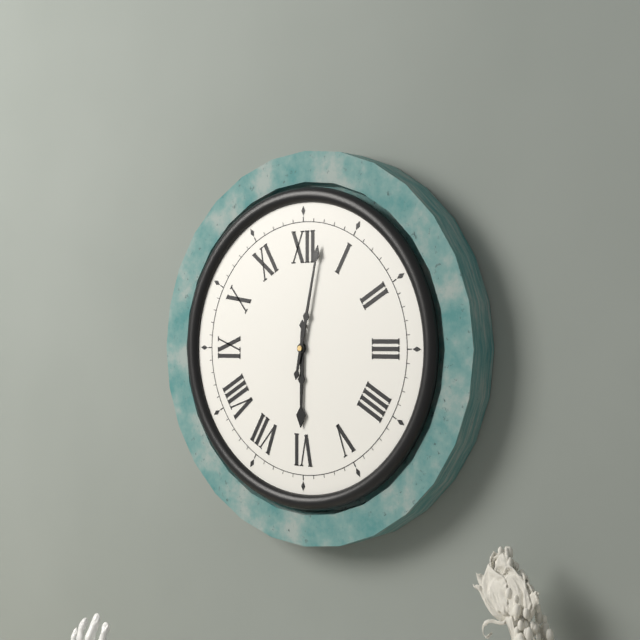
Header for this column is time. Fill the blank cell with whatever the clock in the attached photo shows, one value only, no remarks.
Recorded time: 6:02
